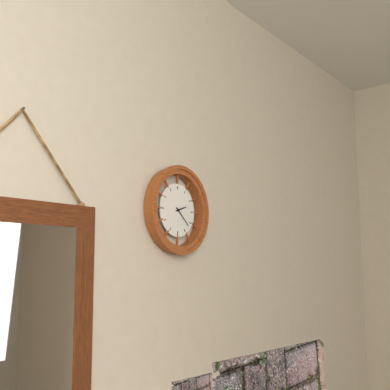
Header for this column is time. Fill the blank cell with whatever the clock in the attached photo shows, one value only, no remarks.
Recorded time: 2:22
